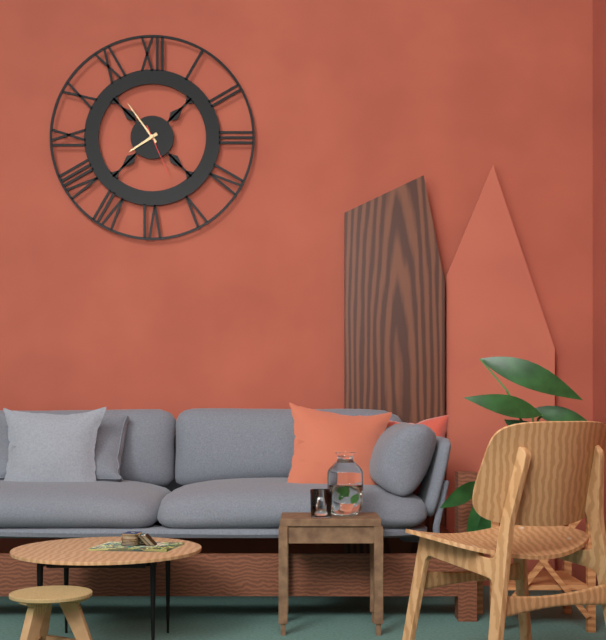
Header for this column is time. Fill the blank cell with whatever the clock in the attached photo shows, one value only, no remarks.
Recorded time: 7:54:26
